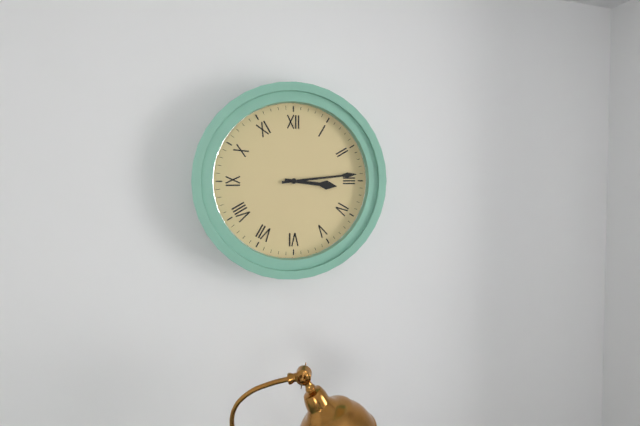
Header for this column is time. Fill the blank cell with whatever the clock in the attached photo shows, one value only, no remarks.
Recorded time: 3:14
